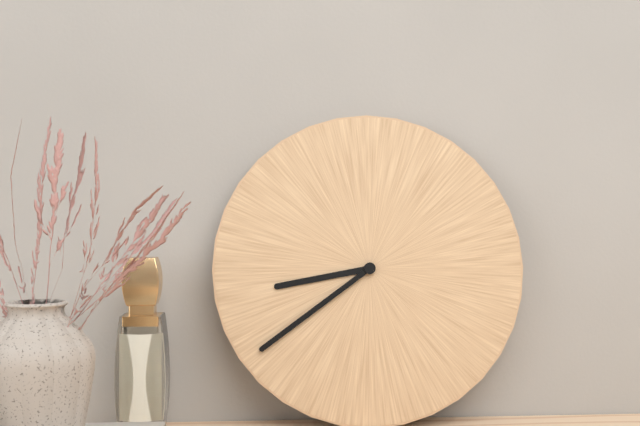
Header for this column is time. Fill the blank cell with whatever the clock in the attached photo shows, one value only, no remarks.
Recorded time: 8:39
